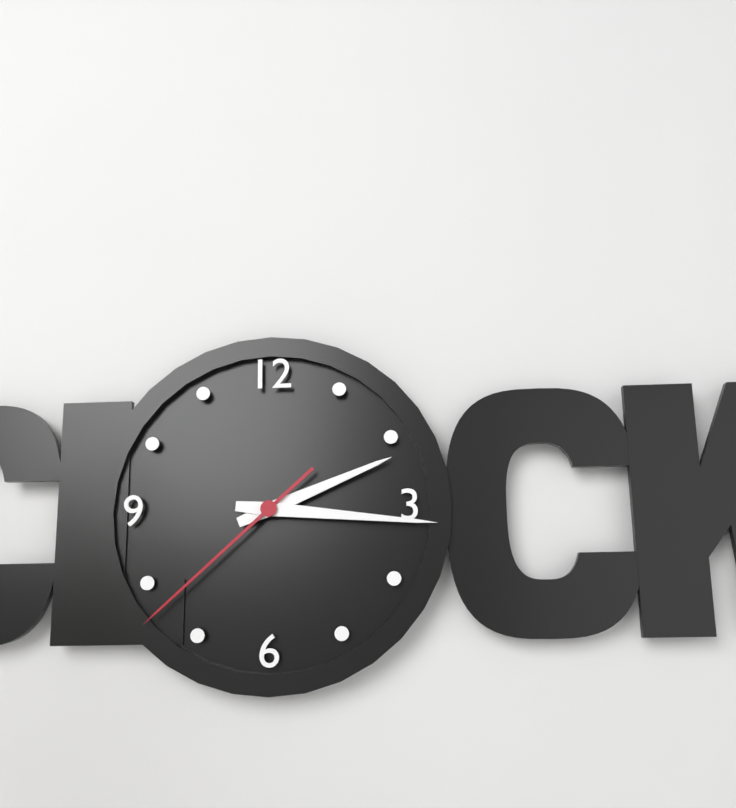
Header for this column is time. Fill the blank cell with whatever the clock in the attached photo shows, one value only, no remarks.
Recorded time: 2:16:38
